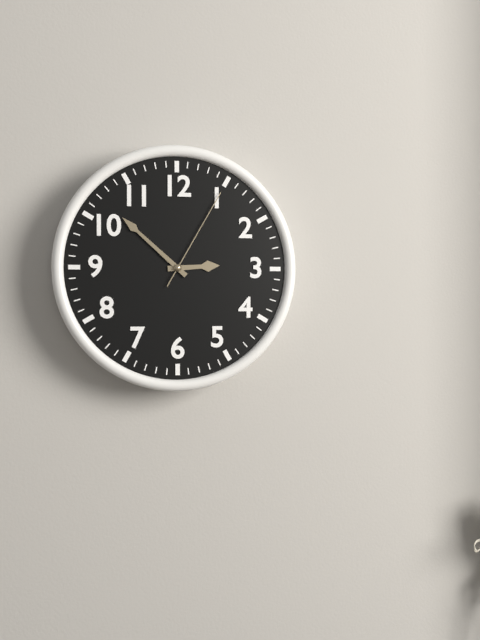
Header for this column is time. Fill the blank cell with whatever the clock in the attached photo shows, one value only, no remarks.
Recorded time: 2:52:05
